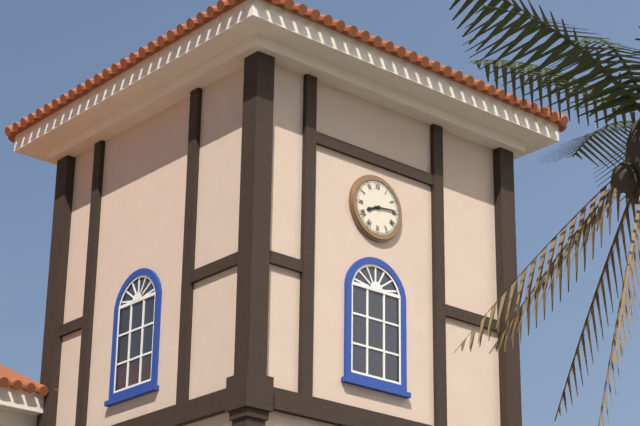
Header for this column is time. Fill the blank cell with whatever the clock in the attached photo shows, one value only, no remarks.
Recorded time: 8:14
